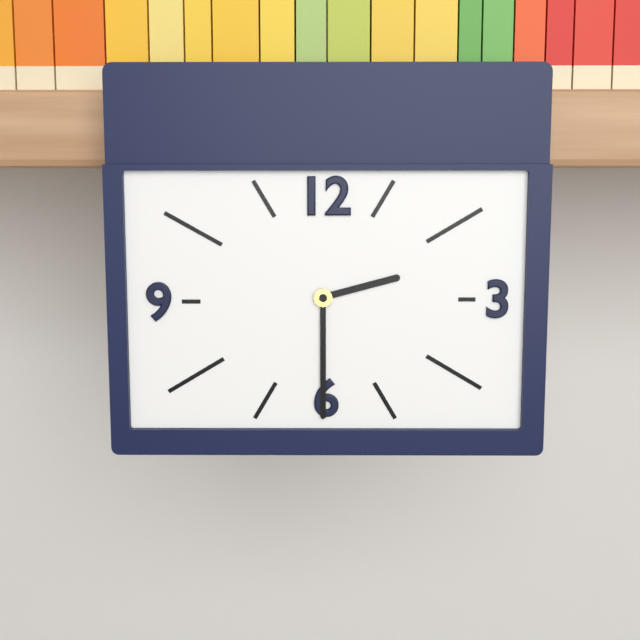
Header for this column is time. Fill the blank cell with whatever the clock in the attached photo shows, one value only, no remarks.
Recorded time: 2:30
